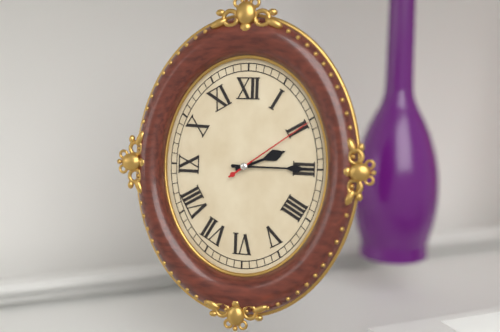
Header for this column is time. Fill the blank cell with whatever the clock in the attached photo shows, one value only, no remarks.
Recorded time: 2:15:09
